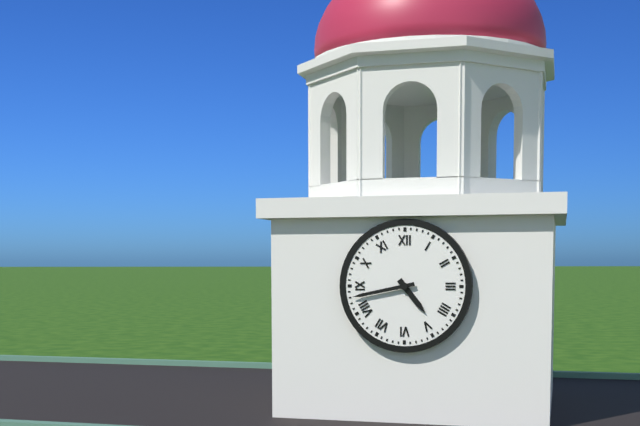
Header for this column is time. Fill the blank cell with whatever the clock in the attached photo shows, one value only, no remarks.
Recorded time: 4:43
